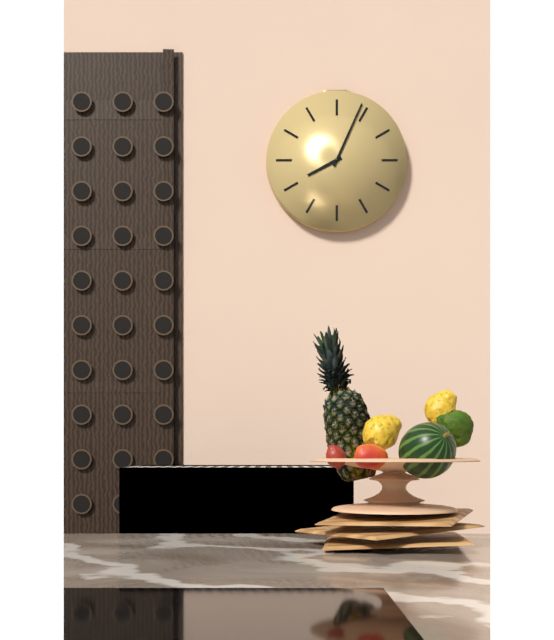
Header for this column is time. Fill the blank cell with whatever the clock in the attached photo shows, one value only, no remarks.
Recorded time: 8:04
